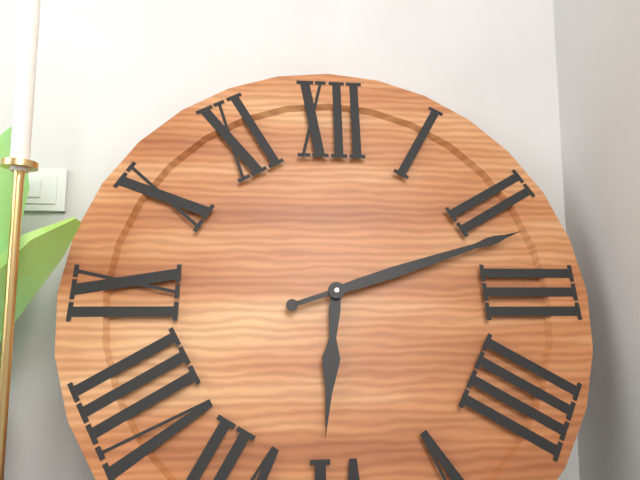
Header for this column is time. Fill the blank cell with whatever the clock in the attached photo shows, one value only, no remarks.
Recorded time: 6:12
